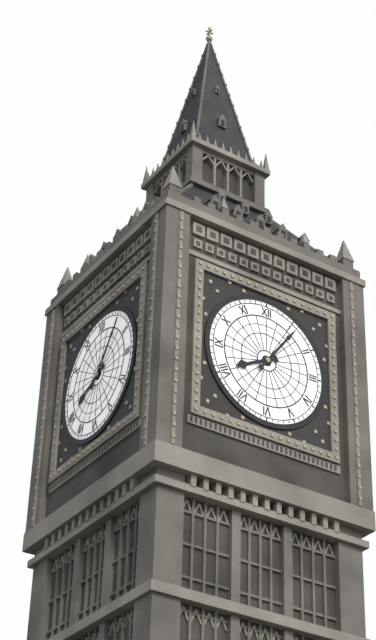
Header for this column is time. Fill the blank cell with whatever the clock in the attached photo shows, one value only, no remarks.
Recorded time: 8:06
